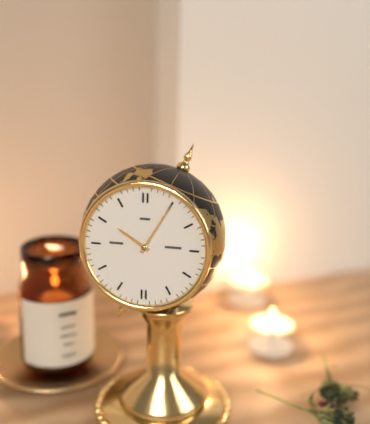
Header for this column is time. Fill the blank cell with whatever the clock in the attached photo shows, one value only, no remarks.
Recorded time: 10:05
